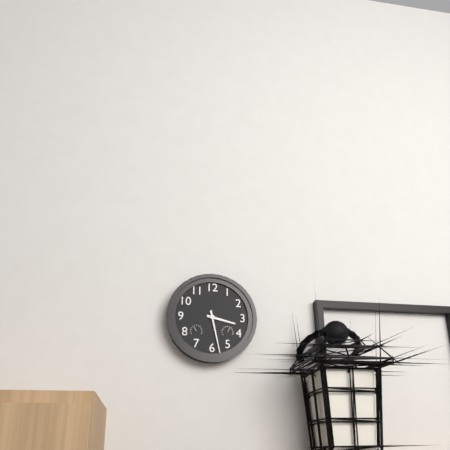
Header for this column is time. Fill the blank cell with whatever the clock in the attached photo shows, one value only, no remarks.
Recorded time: 3:28
